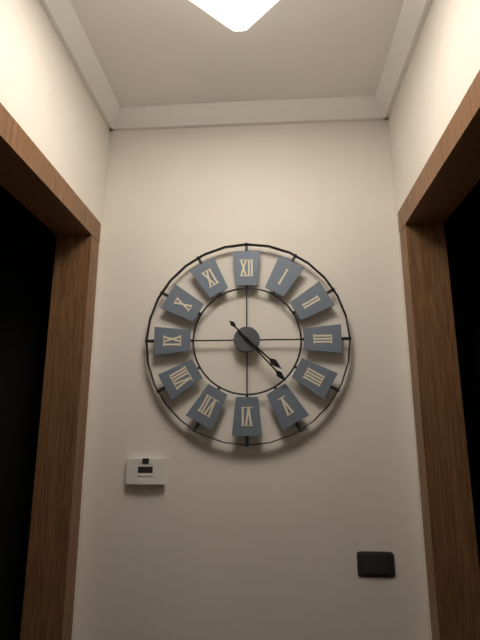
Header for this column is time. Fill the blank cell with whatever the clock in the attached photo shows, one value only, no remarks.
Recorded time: 4:23
